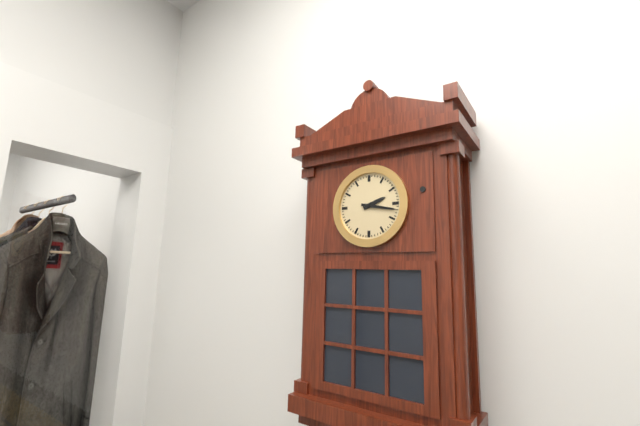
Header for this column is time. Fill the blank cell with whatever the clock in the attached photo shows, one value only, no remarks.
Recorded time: 2:17
